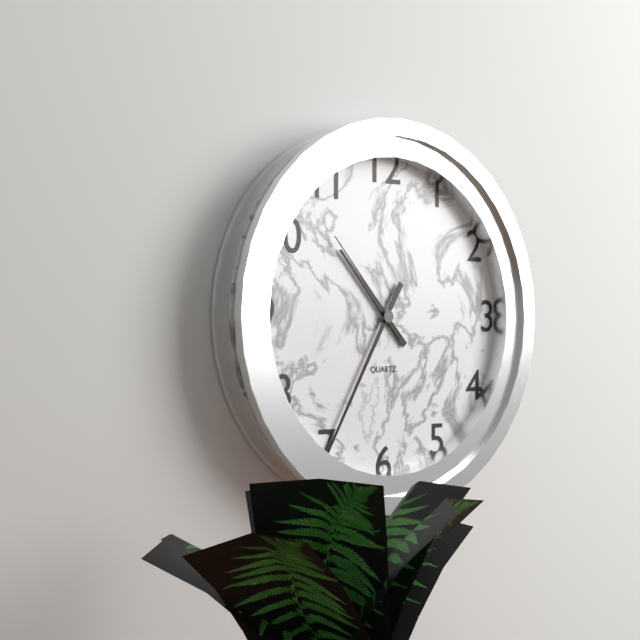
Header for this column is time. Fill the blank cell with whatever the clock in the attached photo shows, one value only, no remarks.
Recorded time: 10:35:53
